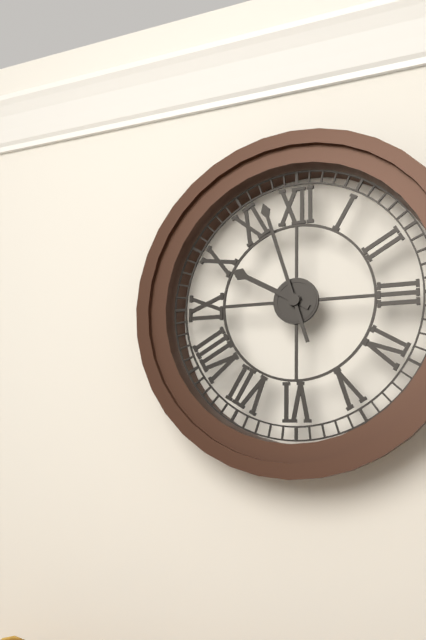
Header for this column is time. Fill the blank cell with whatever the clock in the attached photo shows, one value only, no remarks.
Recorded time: 9:57
